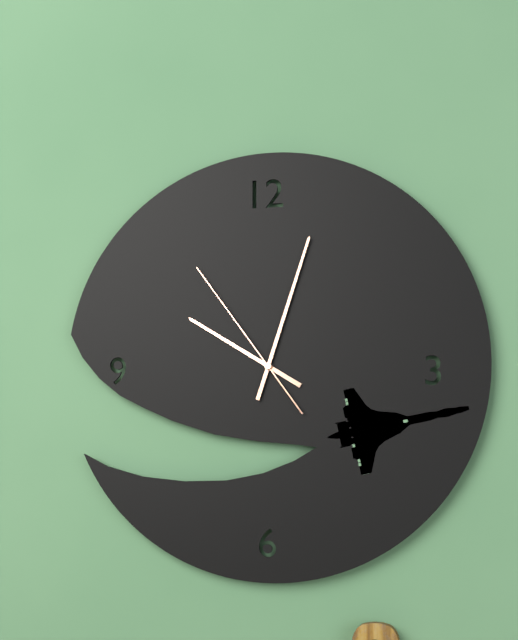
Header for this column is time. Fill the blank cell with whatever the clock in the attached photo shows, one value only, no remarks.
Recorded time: 10:03:54
